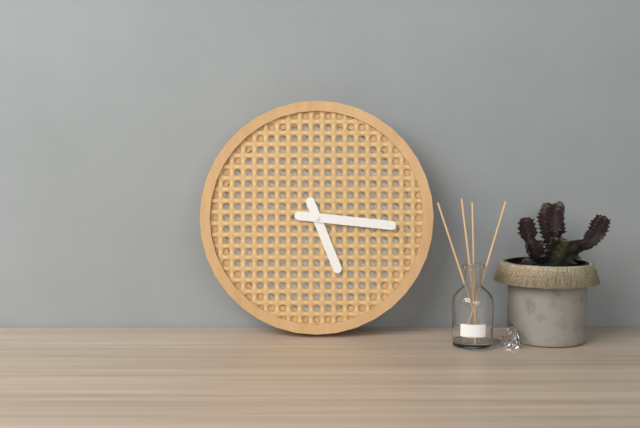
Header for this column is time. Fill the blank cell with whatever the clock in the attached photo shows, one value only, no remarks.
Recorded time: 5:16
